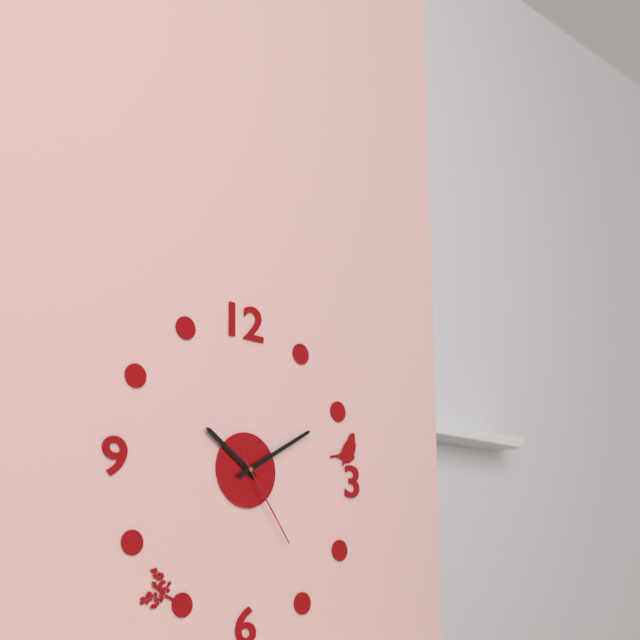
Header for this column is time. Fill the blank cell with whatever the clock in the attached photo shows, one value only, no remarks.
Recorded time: 10:10:24
